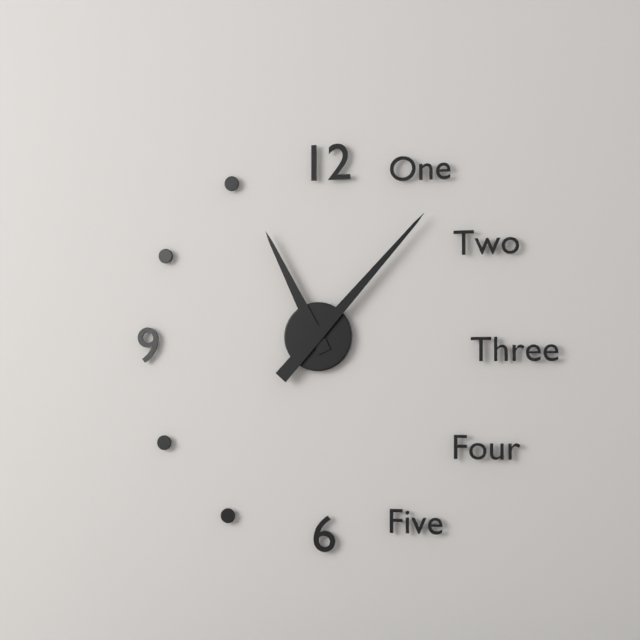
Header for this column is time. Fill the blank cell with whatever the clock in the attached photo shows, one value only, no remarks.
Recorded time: 11:07
